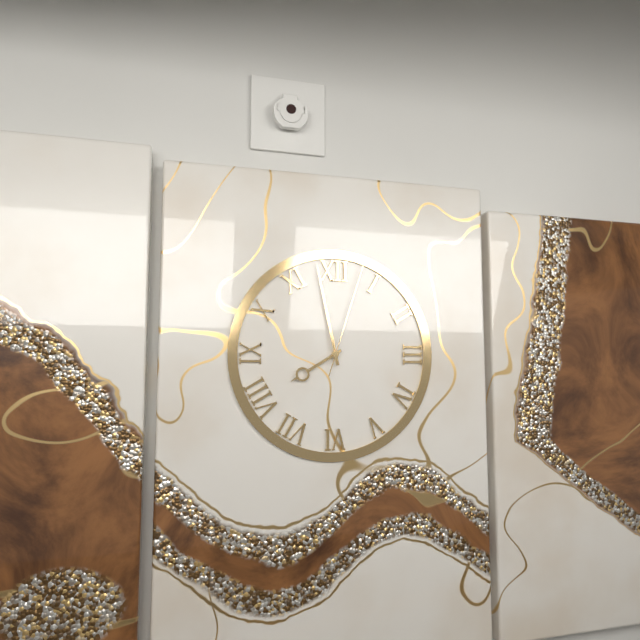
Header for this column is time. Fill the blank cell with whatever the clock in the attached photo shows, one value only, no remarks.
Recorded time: 7:58:03
